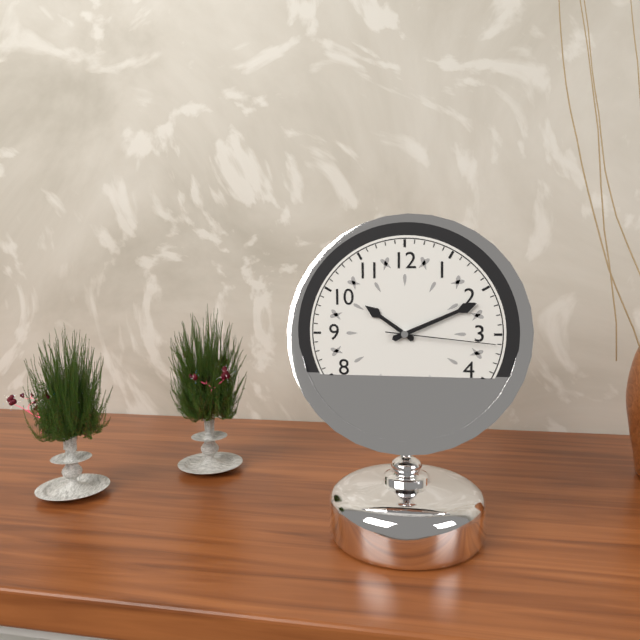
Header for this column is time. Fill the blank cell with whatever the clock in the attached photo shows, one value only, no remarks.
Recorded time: 10:11:16
